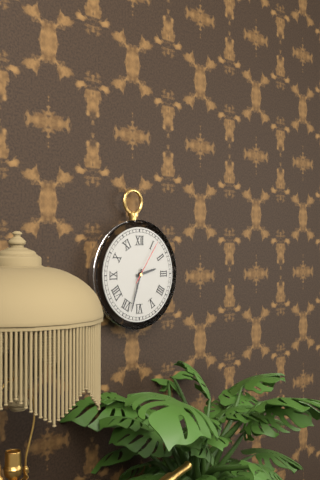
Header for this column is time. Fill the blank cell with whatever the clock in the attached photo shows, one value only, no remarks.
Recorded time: 2:33
